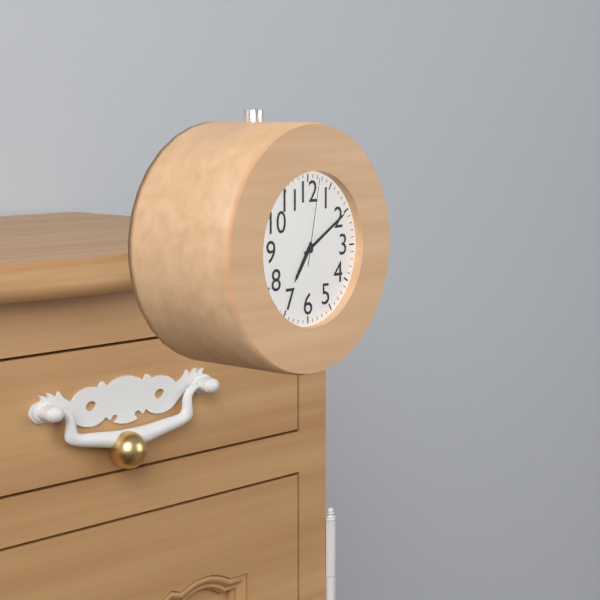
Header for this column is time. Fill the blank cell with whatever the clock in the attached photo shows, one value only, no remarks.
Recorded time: 7:10:02
